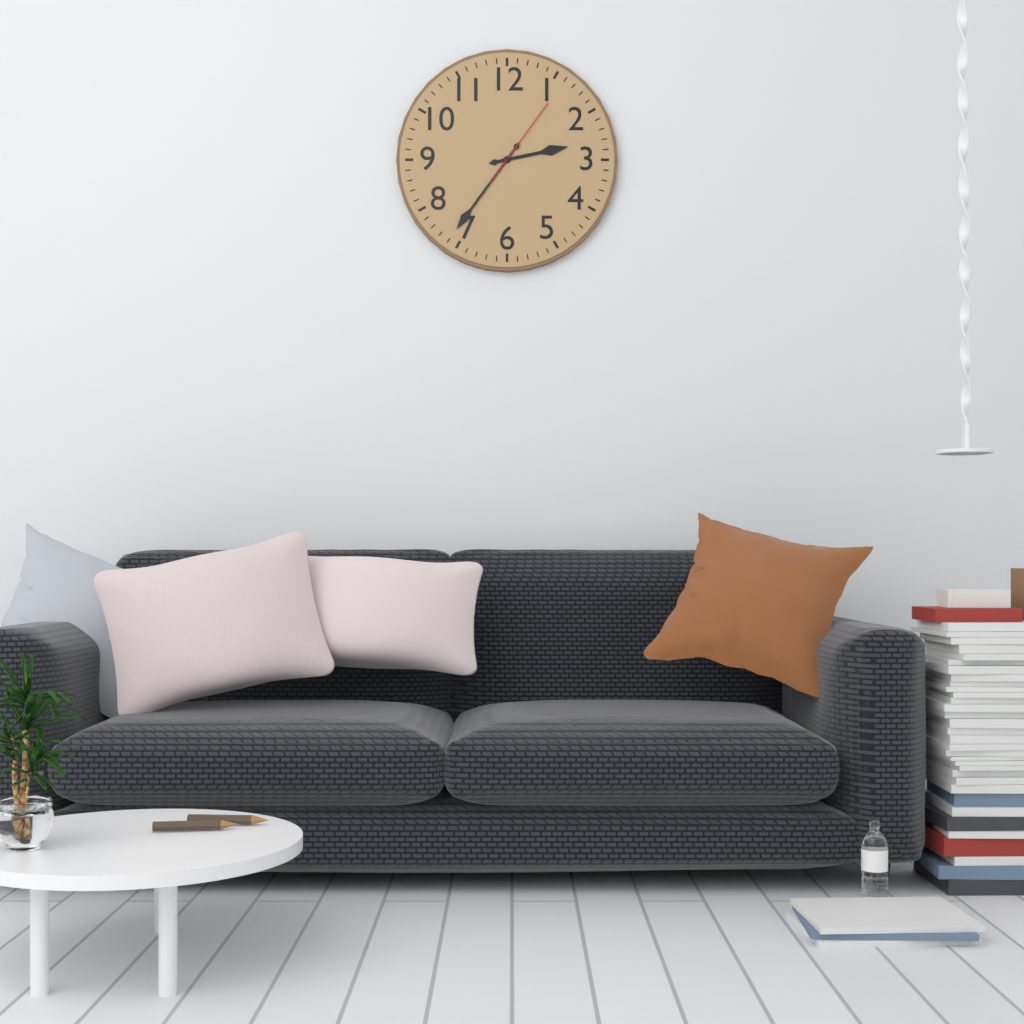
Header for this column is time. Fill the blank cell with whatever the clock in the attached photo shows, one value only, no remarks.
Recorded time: 2:36:06
